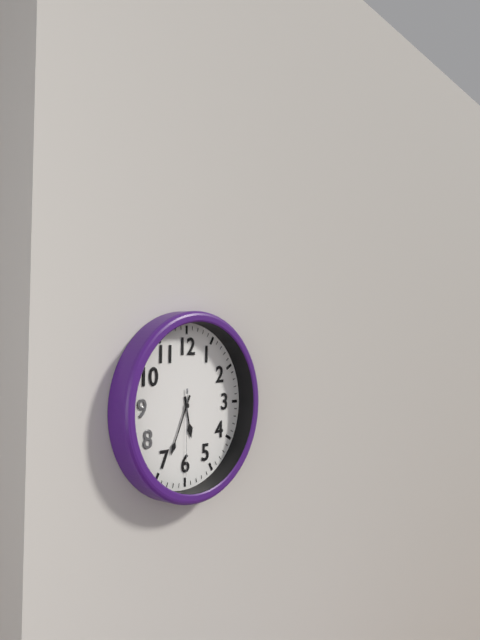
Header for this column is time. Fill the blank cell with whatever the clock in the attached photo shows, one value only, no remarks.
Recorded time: 5:34:30
